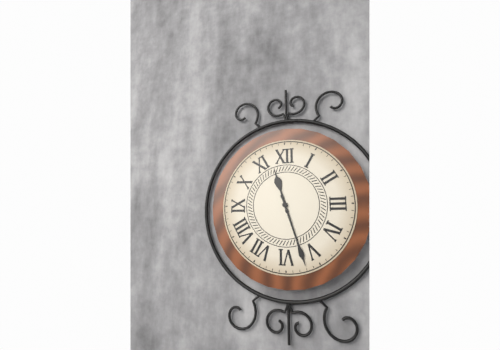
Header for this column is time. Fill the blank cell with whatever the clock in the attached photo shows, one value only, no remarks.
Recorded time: 11:27
